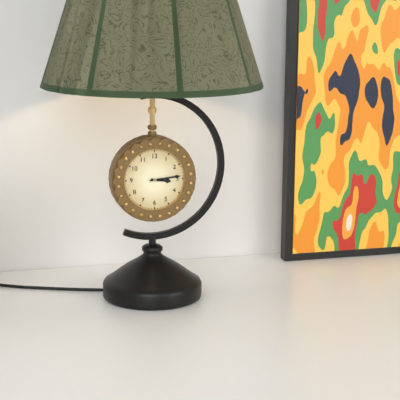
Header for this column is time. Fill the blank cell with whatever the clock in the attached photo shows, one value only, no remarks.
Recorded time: 3:14
